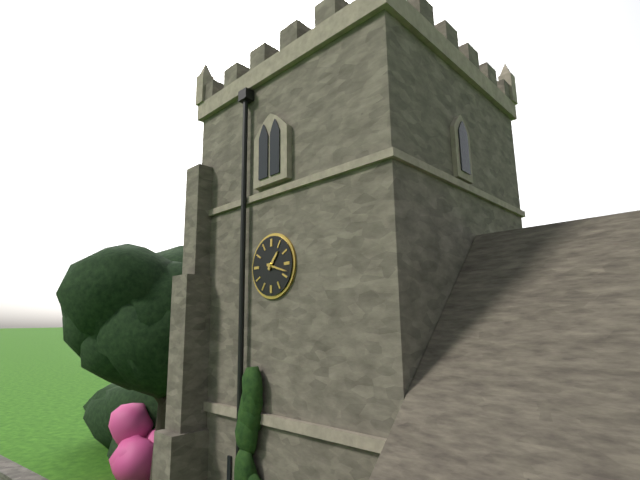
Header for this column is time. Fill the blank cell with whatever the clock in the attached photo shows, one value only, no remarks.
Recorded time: 1:18
